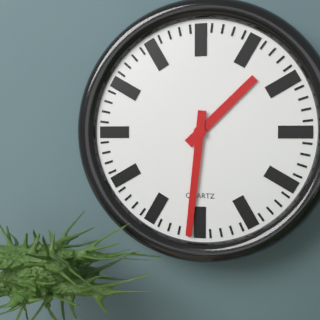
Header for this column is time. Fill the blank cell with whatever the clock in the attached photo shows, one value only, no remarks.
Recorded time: 1:31
